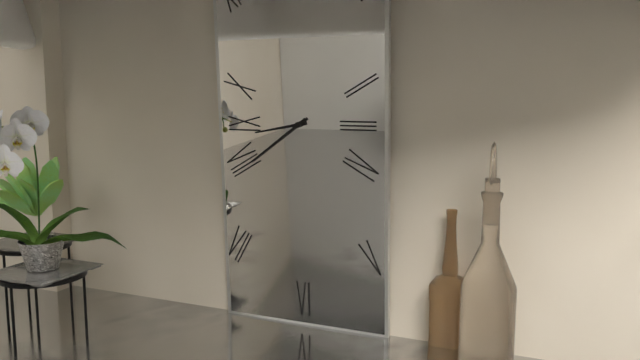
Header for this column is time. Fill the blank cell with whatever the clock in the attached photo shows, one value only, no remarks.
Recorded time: 8:39
